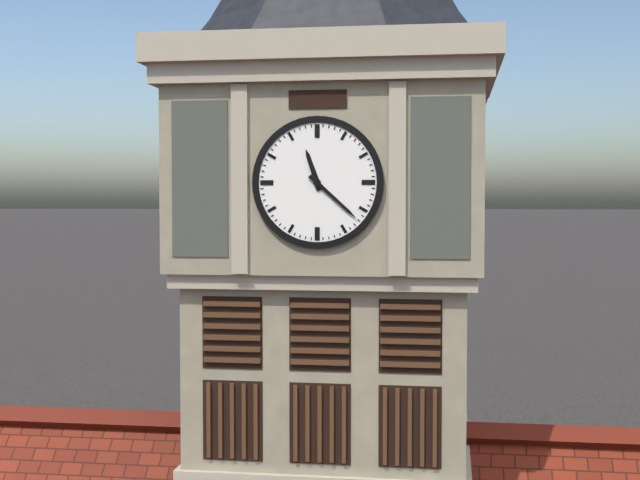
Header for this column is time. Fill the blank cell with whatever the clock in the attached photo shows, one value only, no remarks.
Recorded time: 11:22
